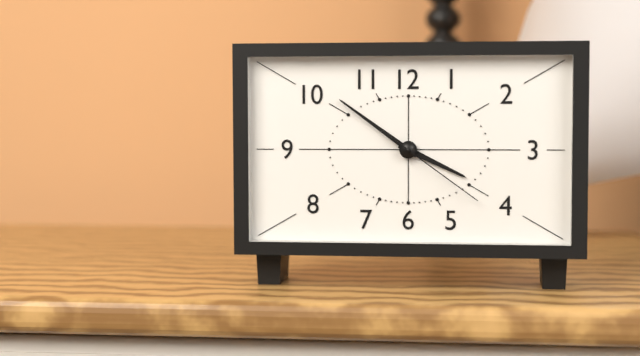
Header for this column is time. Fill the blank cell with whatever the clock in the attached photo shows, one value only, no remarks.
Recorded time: 3:51:21
